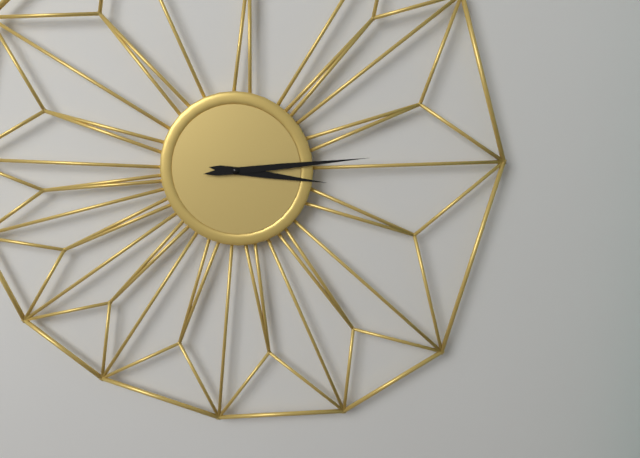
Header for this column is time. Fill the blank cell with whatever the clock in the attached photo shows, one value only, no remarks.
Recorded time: 3:14
